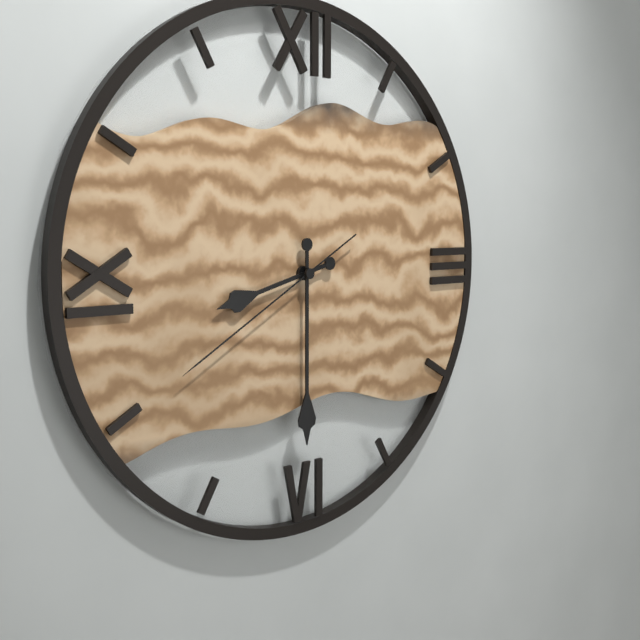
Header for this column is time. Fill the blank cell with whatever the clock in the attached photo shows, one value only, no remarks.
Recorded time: 8:30:40
